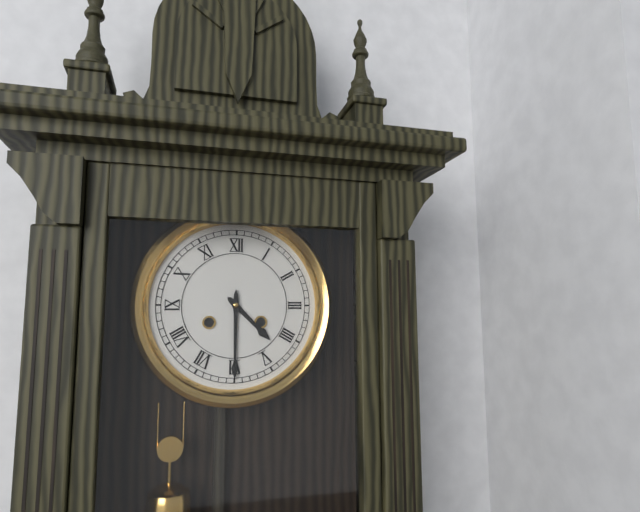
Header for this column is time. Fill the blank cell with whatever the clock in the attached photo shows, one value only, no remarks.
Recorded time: 4:30
